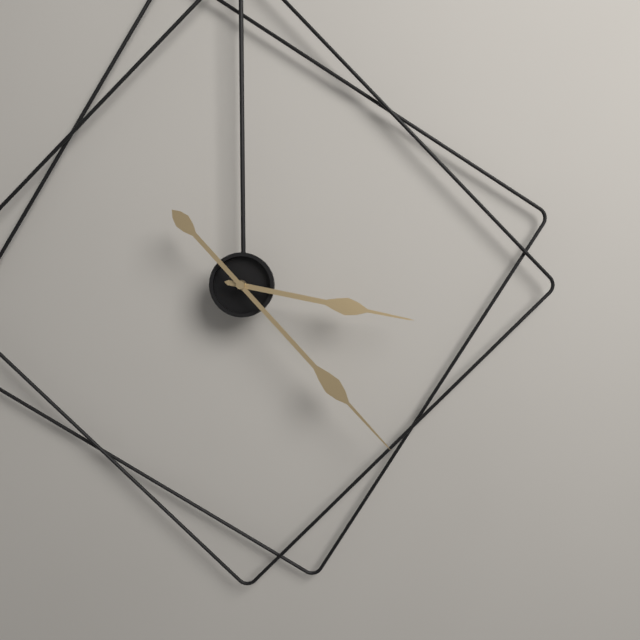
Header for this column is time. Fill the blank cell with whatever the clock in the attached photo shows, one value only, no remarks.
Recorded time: 3:23
